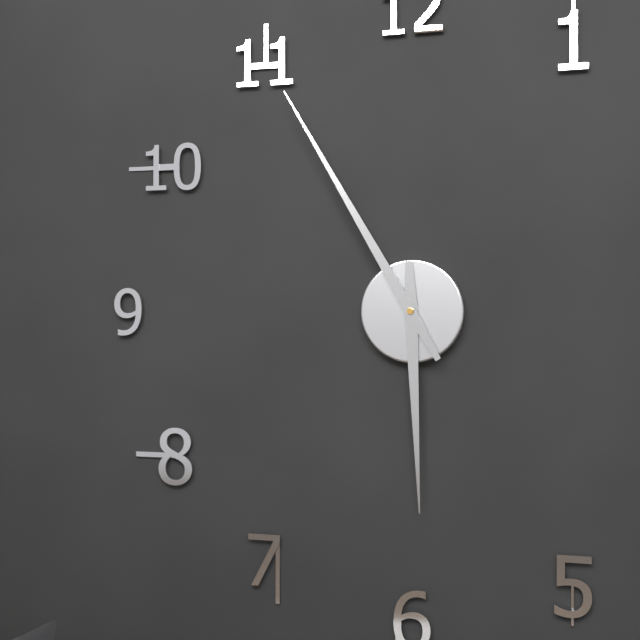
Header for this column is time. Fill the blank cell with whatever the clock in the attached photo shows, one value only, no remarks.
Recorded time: 5:55
